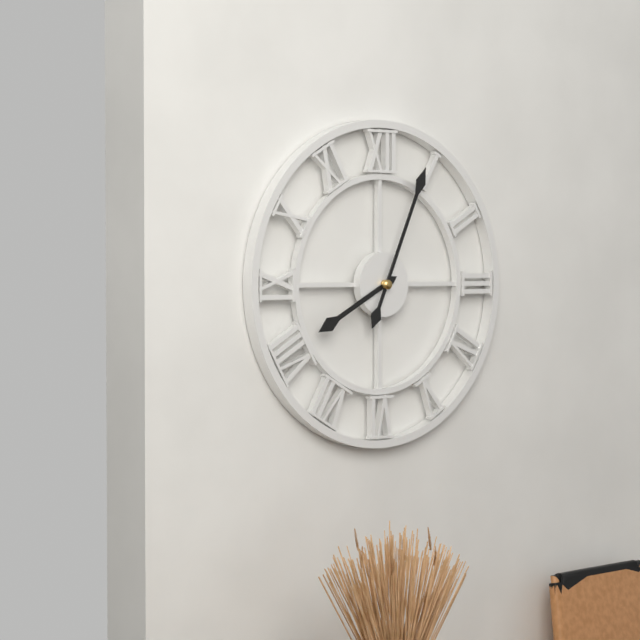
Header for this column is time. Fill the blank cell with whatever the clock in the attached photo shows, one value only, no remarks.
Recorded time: 8:04
